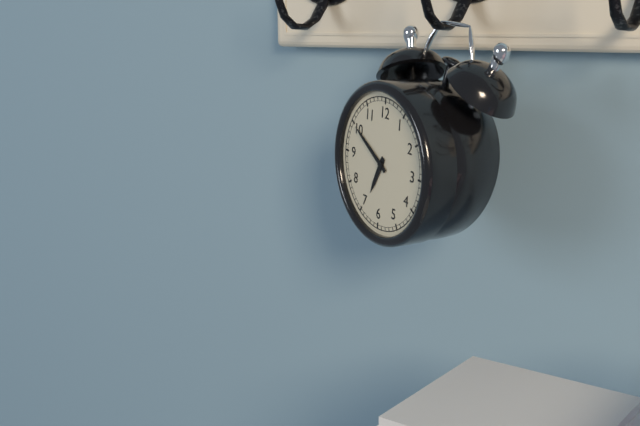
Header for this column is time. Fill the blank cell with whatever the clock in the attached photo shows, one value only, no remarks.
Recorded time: 6:50
